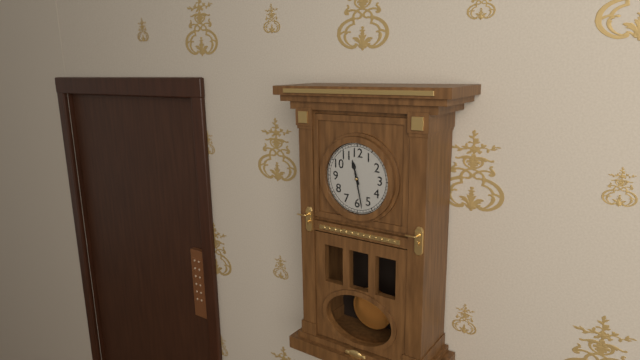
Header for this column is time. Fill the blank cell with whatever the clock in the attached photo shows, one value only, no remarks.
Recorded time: 11:28
